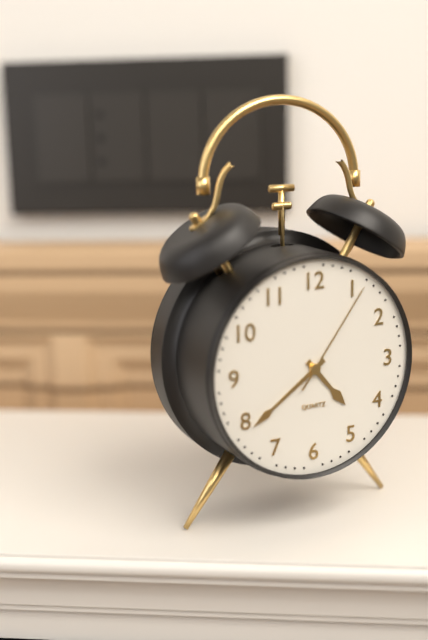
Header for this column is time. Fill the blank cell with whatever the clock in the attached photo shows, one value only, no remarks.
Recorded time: 4:39:06
